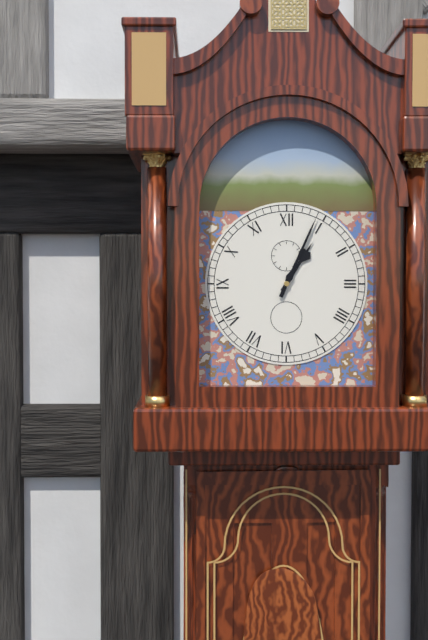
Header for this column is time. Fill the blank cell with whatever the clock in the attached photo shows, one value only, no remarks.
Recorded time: 1:04
